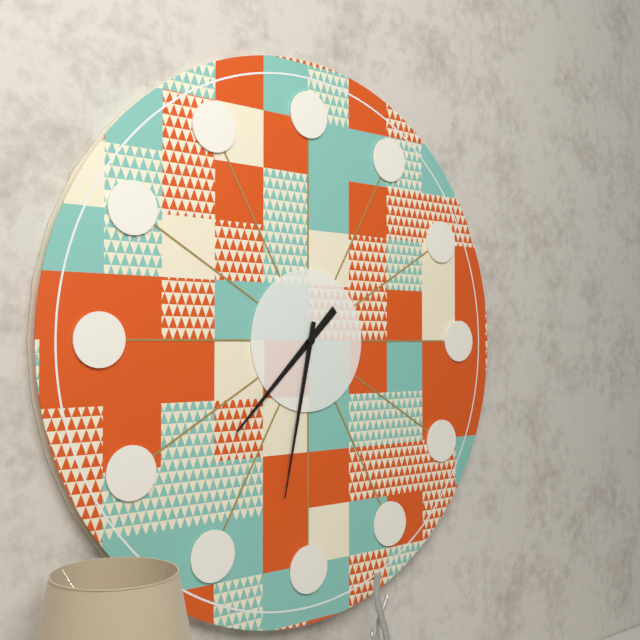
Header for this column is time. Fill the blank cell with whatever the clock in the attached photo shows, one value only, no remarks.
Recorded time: 7:32
